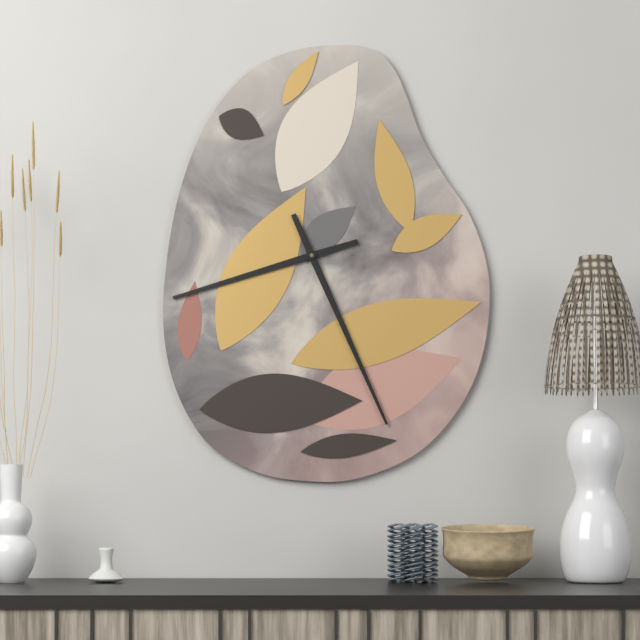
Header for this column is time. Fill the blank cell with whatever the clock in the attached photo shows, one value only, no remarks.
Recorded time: 8:26
